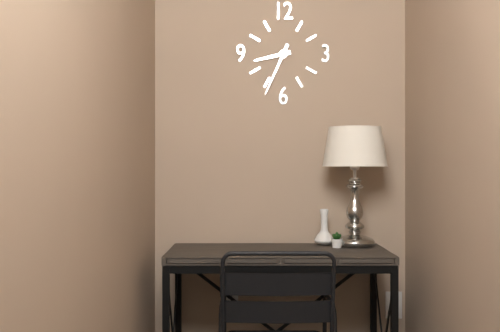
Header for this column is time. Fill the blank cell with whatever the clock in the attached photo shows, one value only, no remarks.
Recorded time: 8:34
